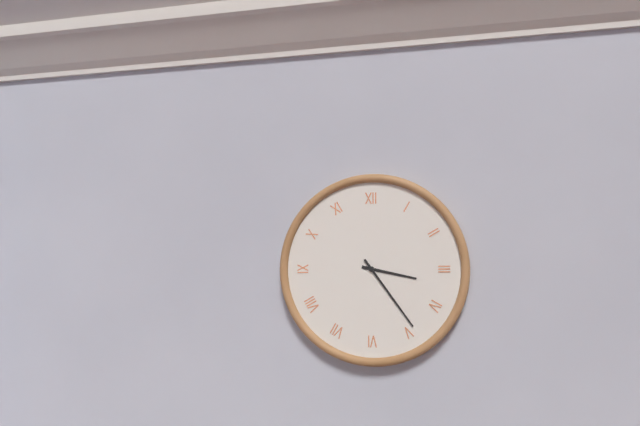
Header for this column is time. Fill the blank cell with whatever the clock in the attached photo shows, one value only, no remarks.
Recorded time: 3:24
